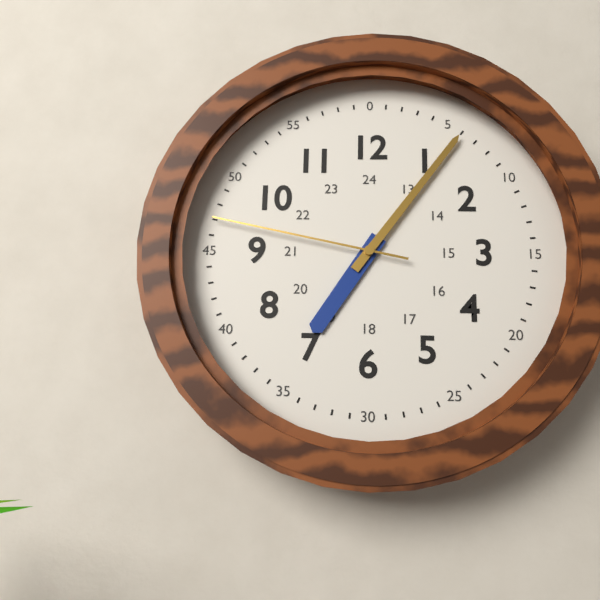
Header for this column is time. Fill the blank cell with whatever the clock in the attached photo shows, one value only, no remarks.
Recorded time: 7:06:47
